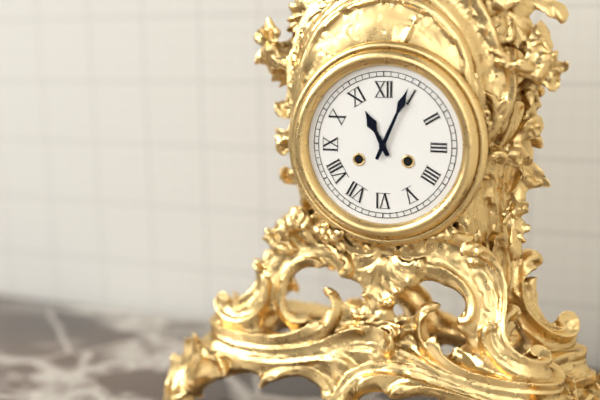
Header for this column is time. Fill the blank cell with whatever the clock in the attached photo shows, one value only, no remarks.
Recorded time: 11:04
